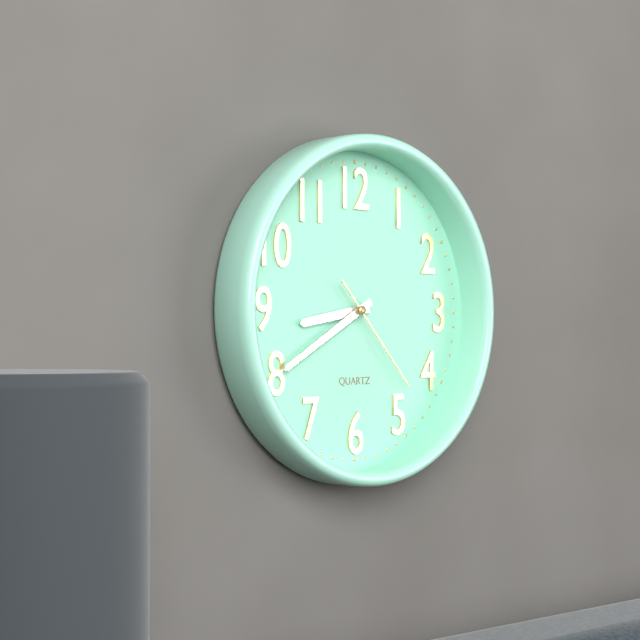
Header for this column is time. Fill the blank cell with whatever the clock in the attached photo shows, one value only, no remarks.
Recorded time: 8:40:23
